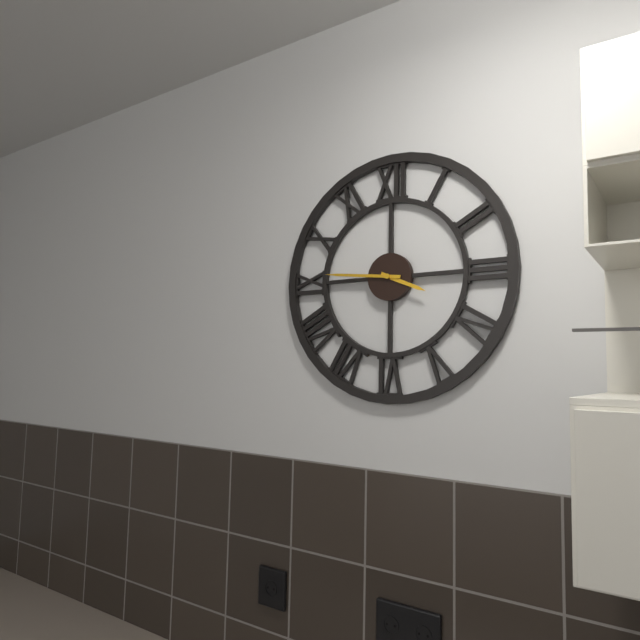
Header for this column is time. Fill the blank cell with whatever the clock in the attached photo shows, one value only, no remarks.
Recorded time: 3:46
